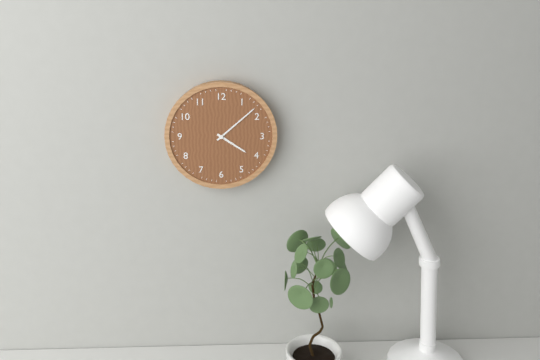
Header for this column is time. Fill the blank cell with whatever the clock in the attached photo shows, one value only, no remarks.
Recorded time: 4:08
